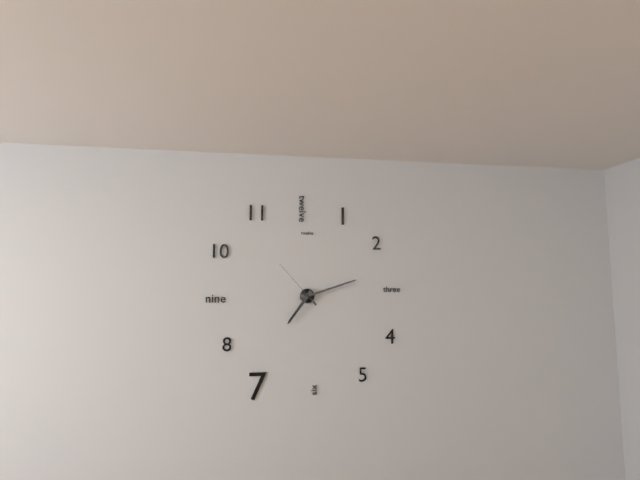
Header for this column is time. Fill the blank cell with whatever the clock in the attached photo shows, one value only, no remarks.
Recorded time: 7:12:53
